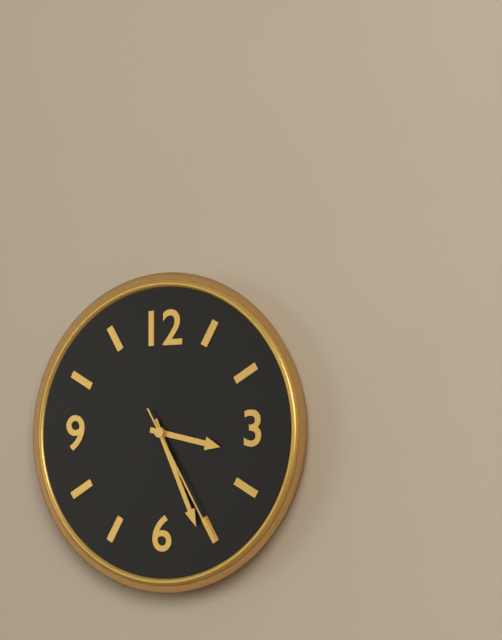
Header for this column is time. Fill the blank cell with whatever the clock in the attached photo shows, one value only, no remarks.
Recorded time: 3:26:25
